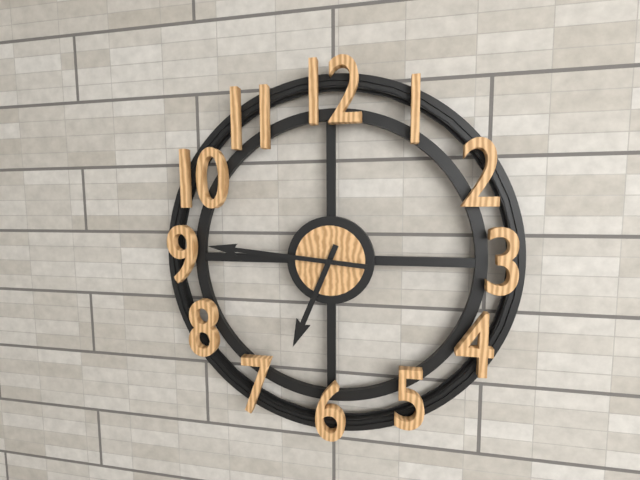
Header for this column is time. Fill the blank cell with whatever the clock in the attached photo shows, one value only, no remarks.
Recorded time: 6:46
